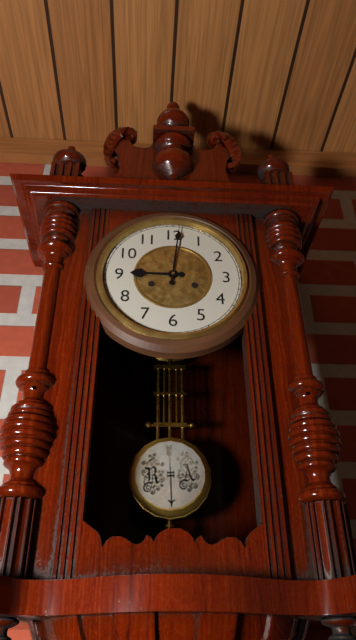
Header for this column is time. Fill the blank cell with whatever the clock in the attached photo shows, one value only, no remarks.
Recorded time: 9:01
